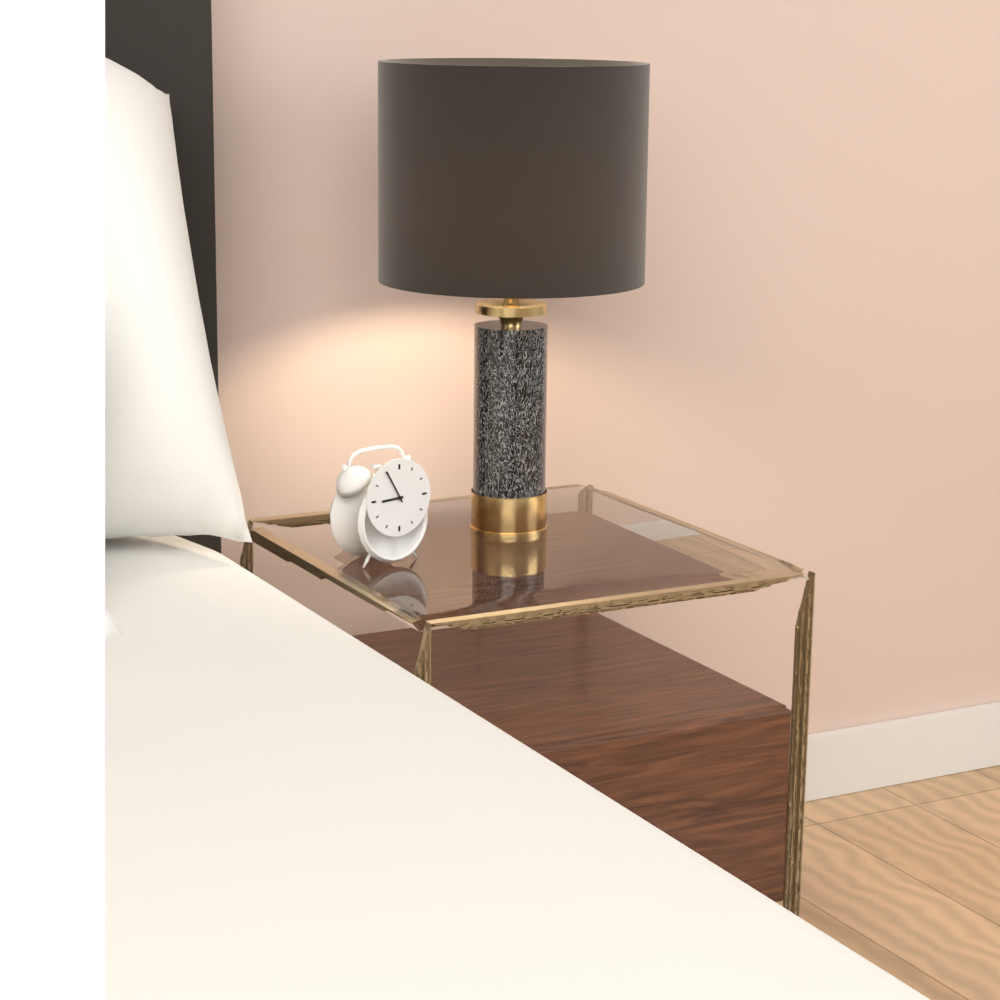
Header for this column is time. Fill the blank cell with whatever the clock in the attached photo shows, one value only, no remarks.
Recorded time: 8:55
